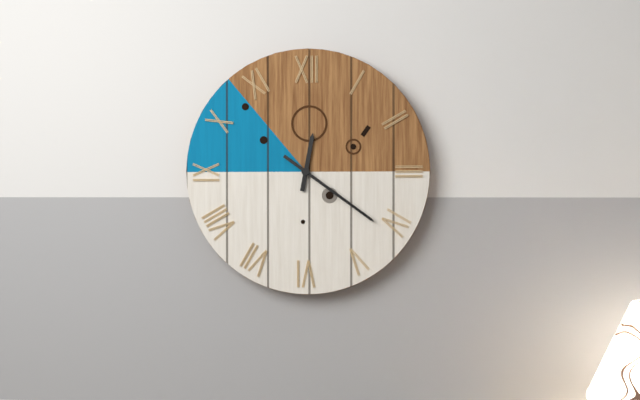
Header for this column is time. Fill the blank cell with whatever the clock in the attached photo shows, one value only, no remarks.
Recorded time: 12:21
